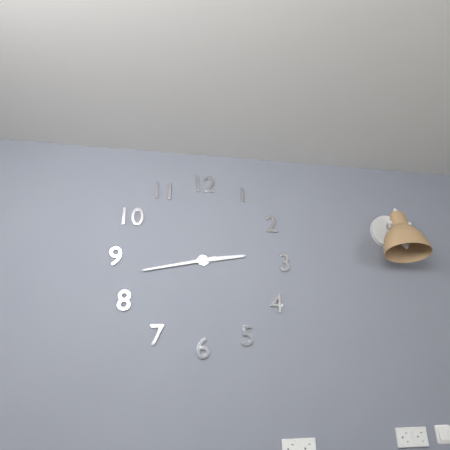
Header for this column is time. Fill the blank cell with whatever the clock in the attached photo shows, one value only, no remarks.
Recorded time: 2:43
